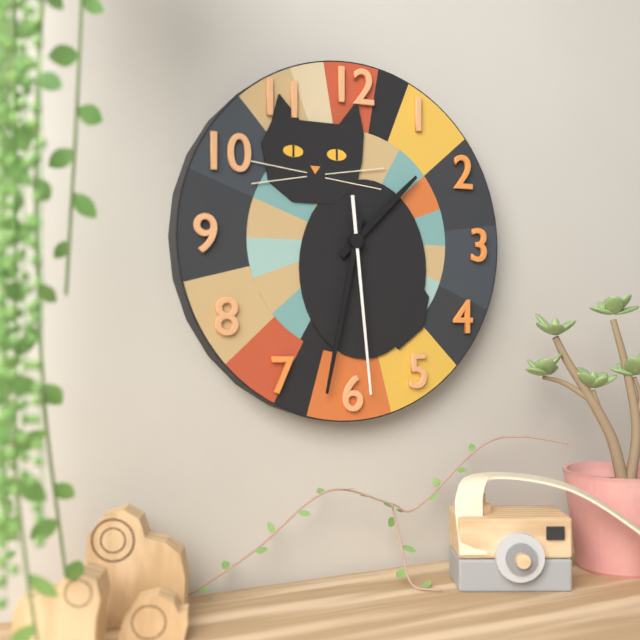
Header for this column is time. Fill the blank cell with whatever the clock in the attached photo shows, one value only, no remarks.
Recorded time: 1:32:29
